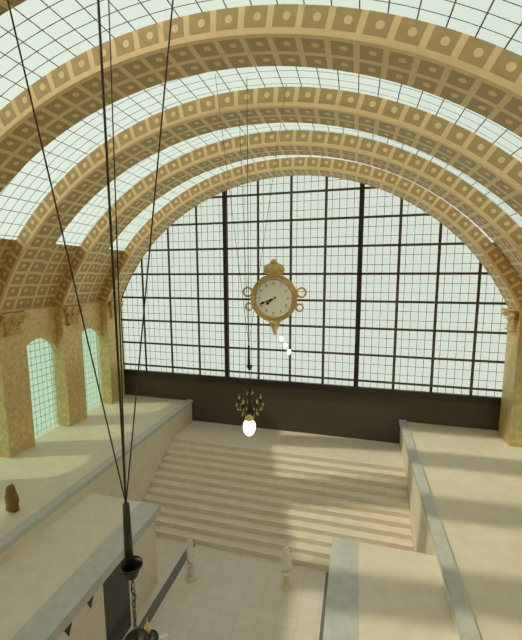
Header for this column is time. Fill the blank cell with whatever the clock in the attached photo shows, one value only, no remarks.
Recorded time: 7:41
